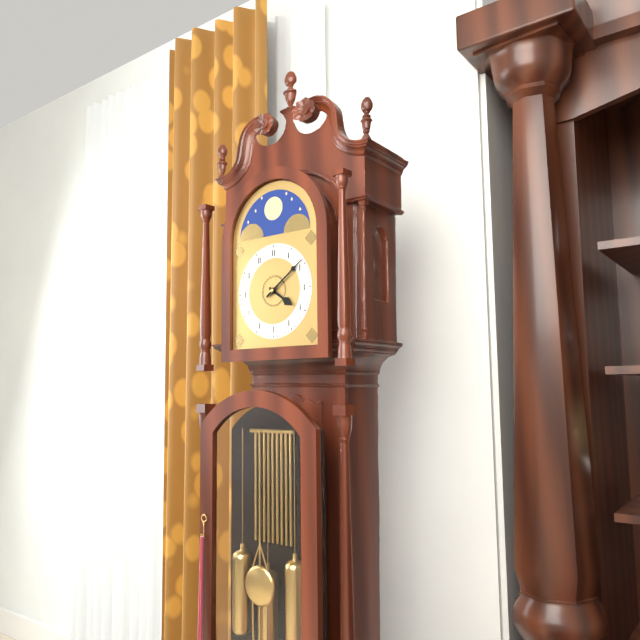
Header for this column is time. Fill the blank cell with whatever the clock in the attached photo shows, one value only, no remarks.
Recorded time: 4:09
